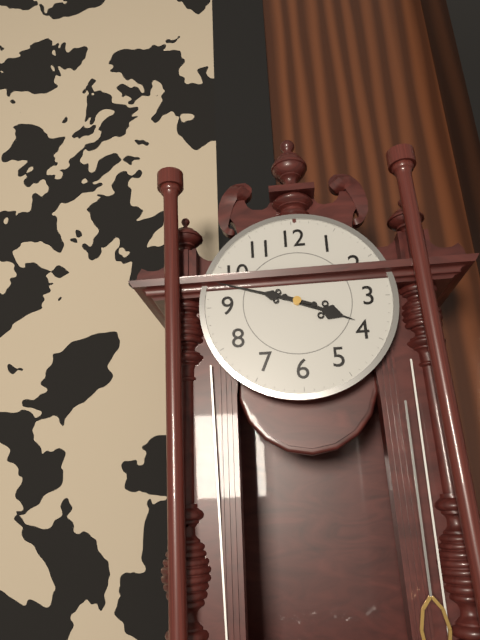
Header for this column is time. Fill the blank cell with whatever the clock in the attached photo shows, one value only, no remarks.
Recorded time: 3:48
